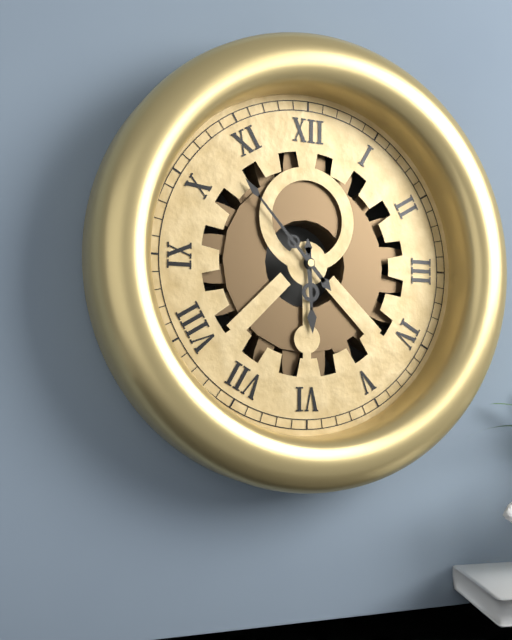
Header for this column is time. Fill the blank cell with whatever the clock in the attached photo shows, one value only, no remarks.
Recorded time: 5:53
